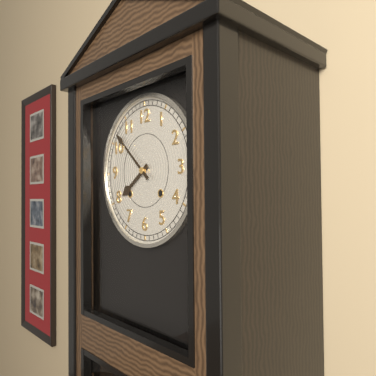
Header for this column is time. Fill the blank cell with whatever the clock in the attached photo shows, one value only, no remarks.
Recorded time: 7:52
